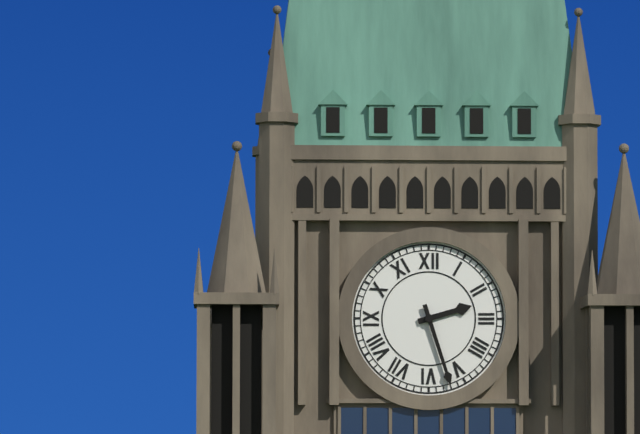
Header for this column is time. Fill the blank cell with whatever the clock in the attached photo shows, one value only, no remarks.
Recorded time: 2:27
